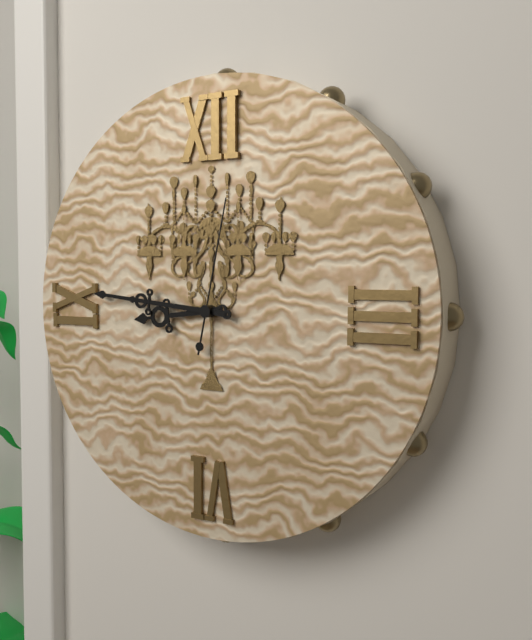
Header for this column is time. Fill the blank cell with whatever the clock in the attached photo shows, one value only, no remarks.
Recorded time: 8:46:02
